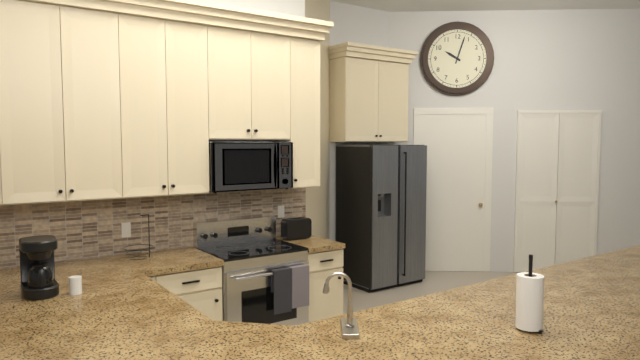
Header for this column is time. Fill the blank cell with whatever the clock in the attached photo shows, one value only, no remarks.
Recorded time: 10:03
